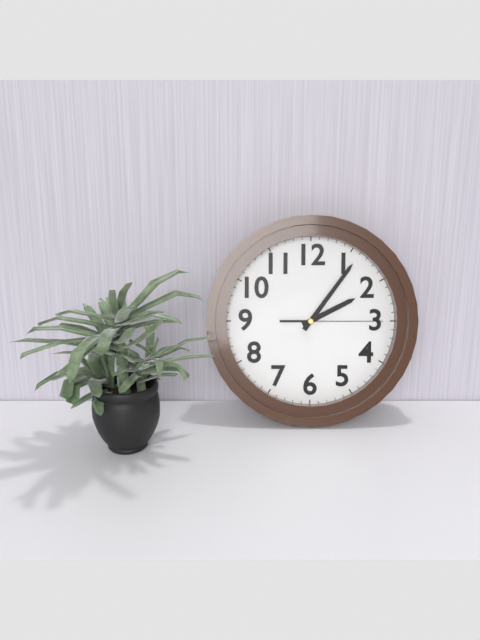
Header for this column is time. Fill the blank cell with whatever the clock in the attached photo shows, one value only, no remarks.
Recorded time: 2:06:15
